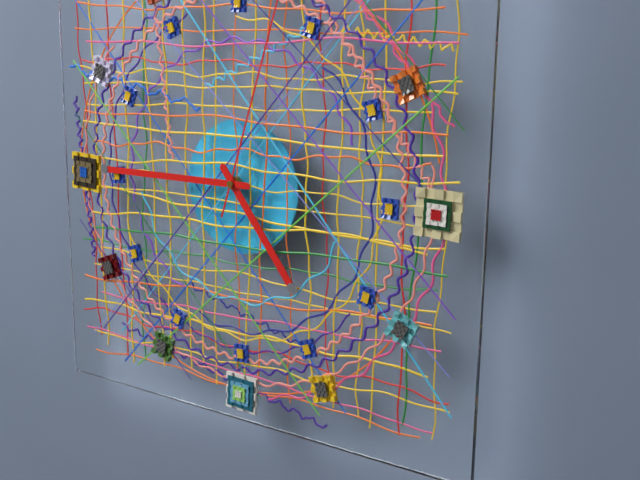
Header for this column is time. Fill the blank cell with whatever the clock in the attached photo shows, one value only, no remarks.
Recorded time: 4:45
